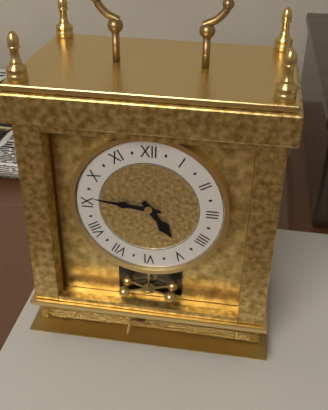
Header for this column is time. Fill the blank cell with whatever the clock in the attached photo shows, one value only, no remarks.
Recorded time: 4:46
